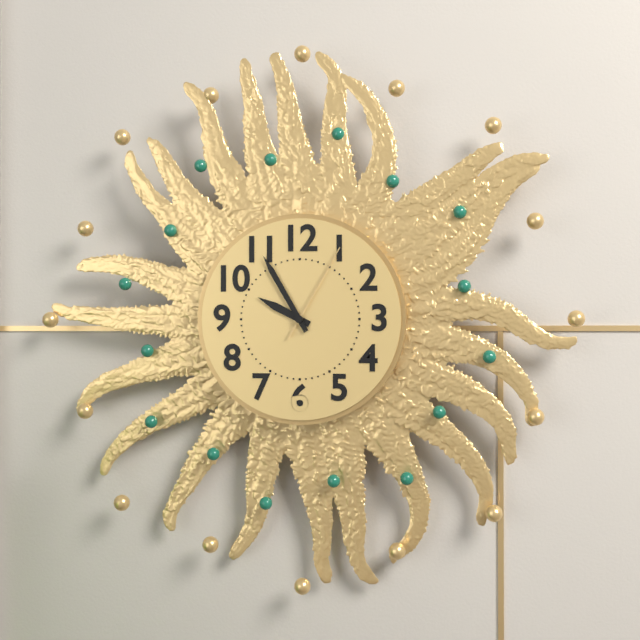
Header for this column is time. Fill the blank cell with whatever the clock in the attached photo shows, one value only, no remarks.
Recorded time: 9:55:05
